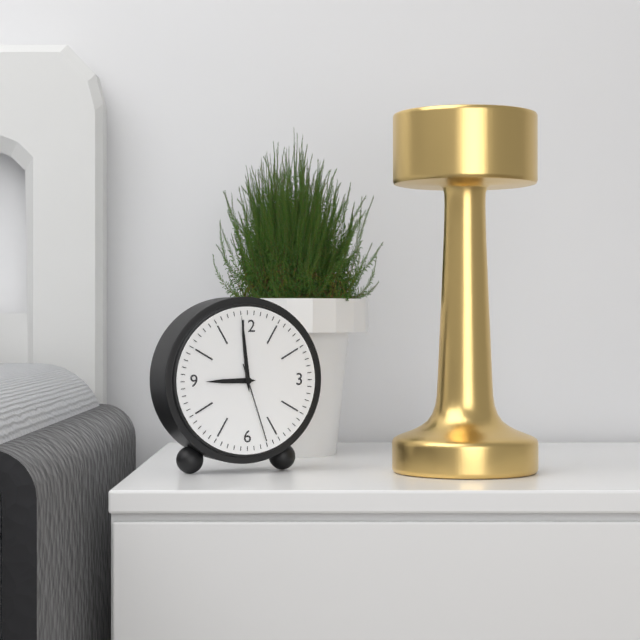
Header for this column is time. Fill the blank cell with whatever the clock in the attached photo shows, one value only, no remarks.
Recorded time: 8:59:27
